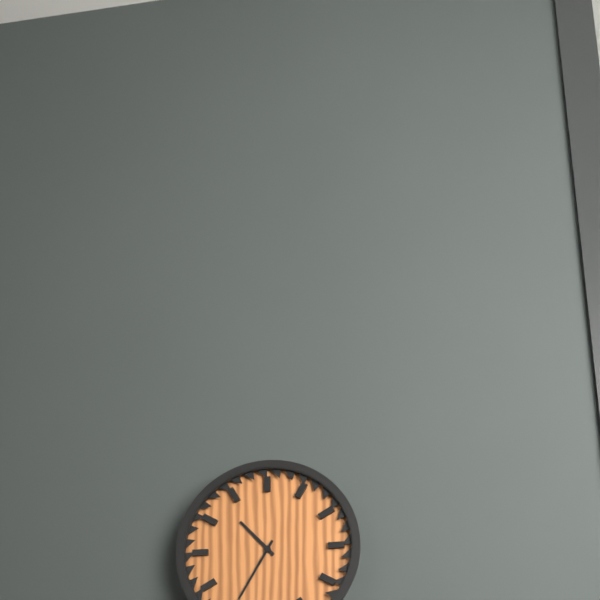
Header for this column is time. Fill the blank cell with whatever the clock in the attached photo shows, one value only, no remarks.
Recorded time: 10:35
